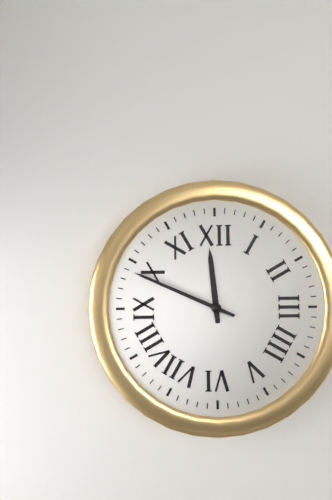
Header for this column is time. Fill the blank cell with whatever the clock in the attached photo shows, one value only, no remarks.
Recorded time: 11:49
